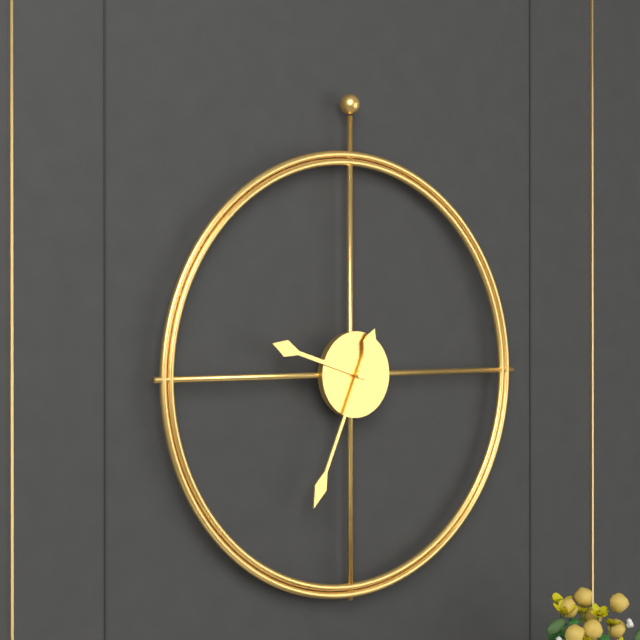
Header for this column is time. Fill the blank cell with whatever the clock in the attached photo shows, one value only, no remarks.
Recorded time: 9:34
